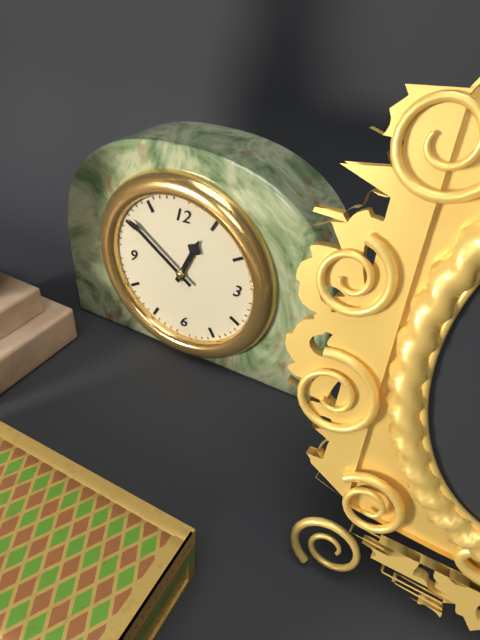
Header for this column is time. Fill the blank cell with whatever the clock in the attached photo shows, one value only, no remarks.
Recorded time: 12:51
